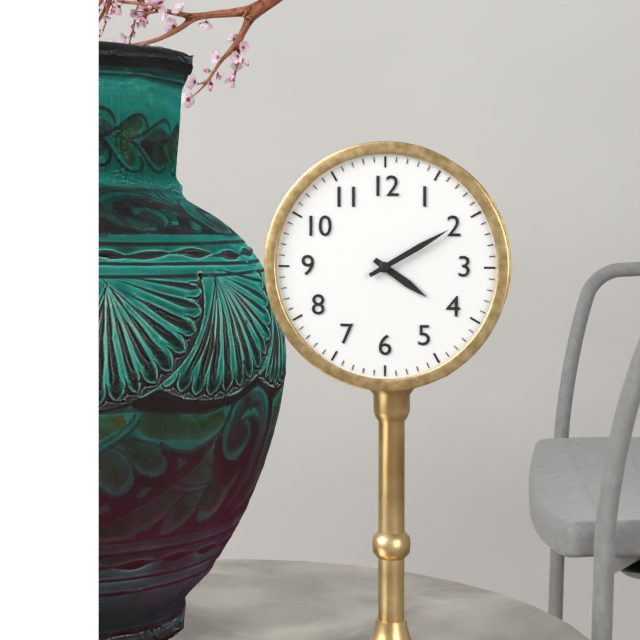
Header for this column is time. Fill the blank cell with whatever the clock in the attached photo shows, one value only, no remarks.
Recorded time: 4:10
